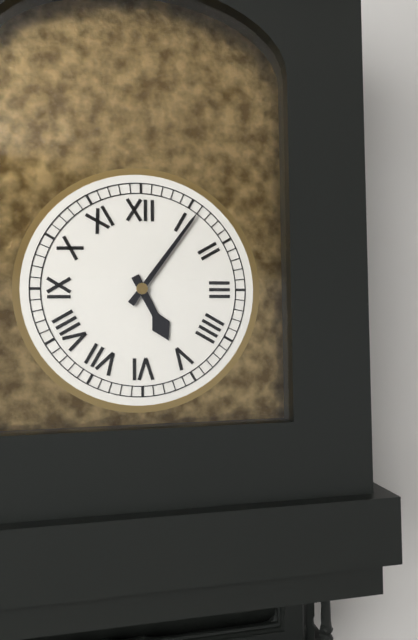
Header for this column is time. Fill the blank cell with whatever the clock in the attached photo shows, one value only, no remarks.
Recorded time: 5:06
